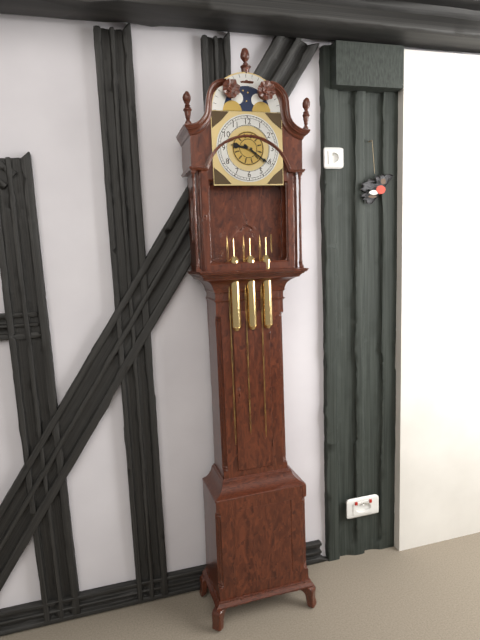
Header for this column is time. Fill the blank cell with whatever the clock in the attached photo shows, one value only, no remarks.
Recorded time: 9:21
